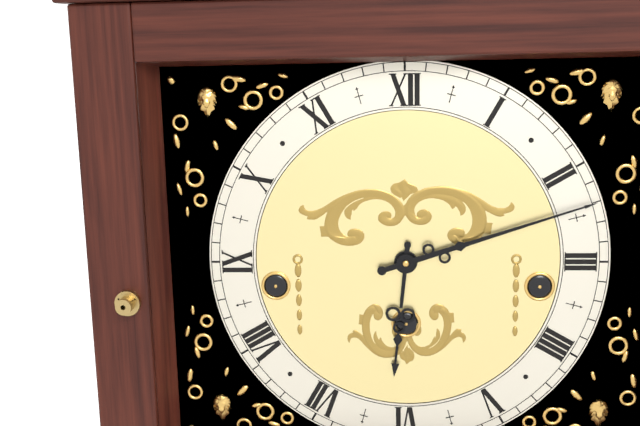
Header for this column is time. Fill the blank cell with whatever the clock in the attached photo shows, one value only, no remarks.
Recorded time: 6:12
